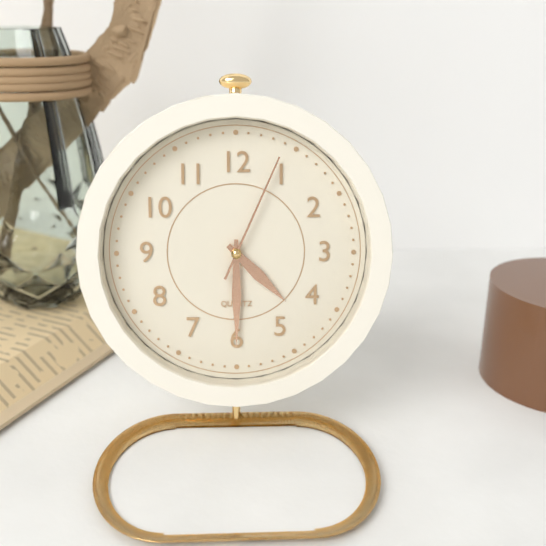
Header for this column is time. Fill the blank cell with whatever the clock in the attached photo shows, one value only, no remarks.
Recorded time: 4:30:04
